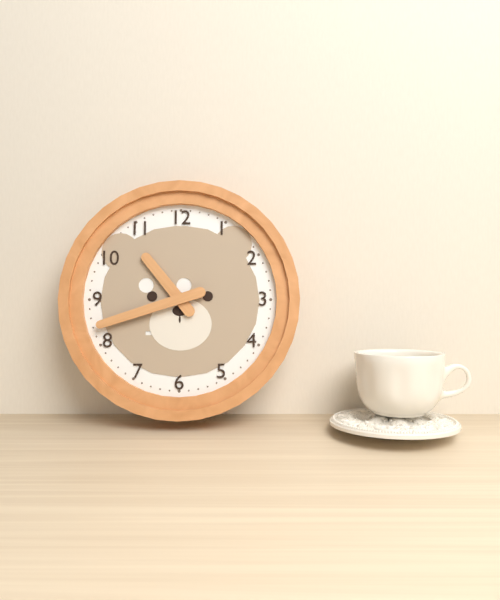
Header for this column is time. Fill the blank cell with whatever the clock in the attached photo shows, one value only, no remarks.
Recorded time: 10:42
